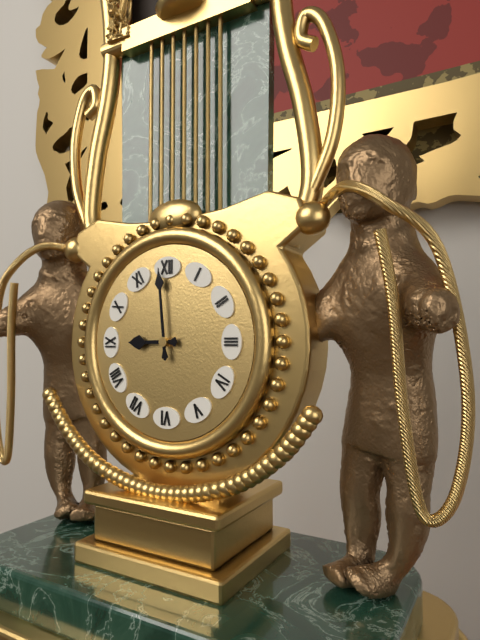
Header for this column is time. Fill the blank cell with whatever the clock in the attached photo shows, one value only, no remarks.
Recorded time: 8:59
